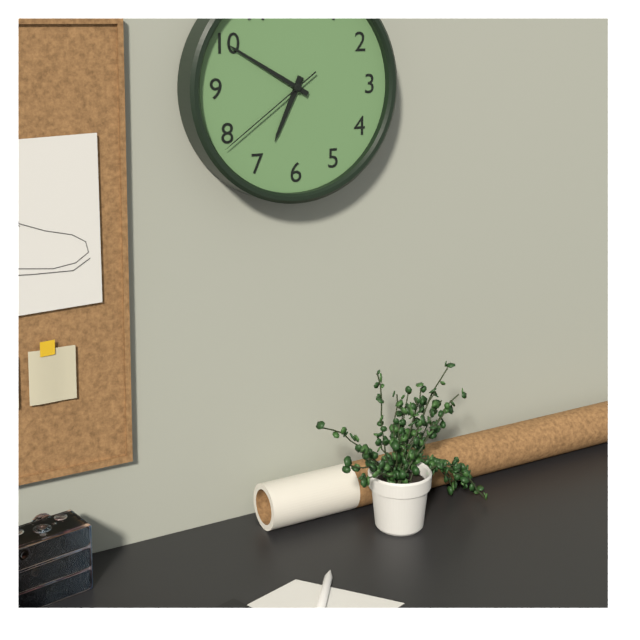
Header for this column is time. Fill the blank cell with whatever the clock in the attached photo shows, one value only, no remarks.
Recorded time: 6:50:39
